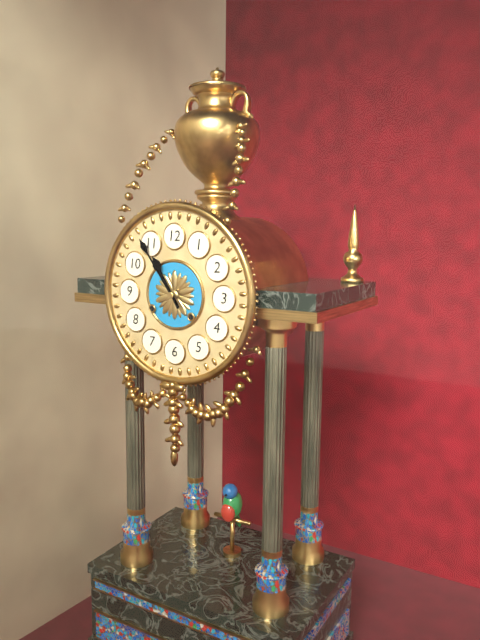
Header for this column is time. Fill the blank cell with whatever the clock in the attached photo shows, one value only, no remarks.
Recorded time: 10:54
